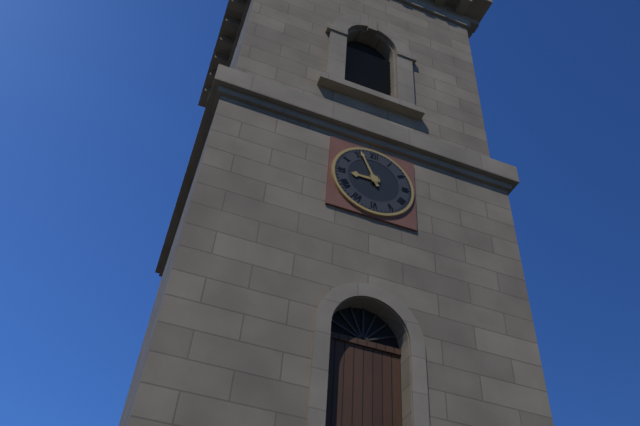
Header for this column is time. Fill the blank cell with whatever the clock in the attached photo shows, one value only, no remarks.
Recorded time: 8:56
